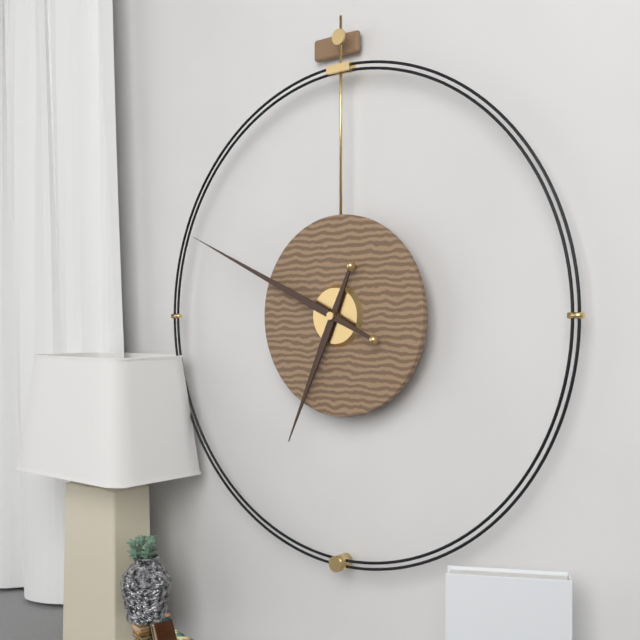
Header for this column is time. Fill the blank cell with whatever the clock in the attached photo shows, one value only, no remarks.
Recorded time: 6:49
